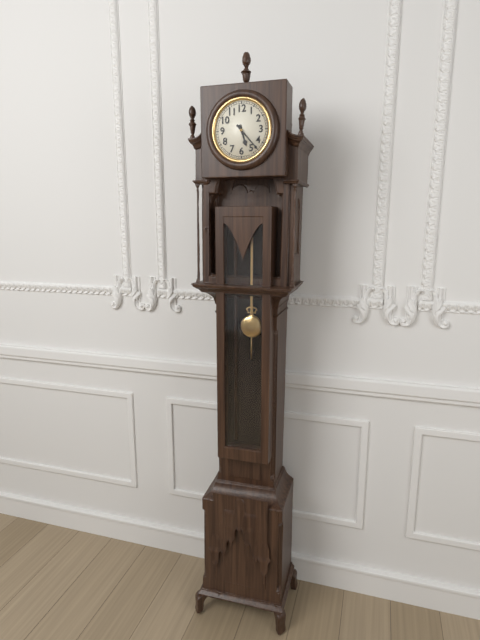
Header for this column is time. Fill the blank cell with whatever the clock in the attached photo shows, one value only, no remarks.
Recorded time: 5:23
